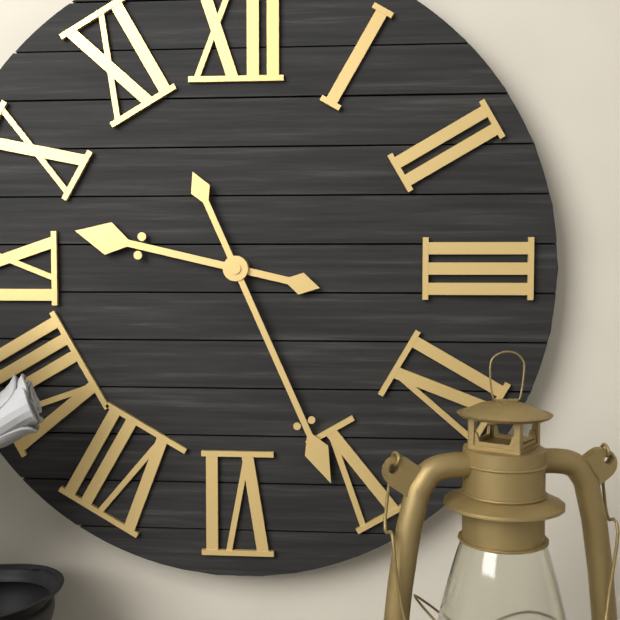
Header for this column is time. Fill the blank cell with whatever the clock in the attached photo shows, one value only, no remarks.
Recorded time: 9:26
